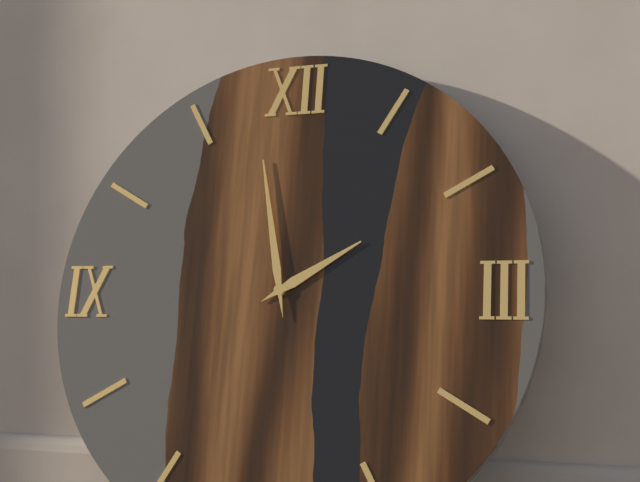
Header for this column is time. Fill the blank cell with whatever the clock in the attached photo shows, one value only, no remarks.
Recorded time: 1:58
